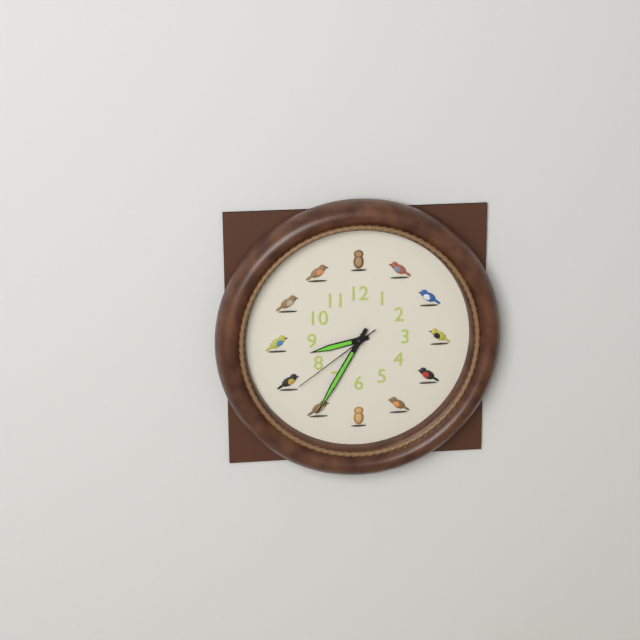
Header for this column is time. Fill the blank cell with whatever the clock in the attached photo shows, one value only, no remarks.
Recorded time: 8:35:39
